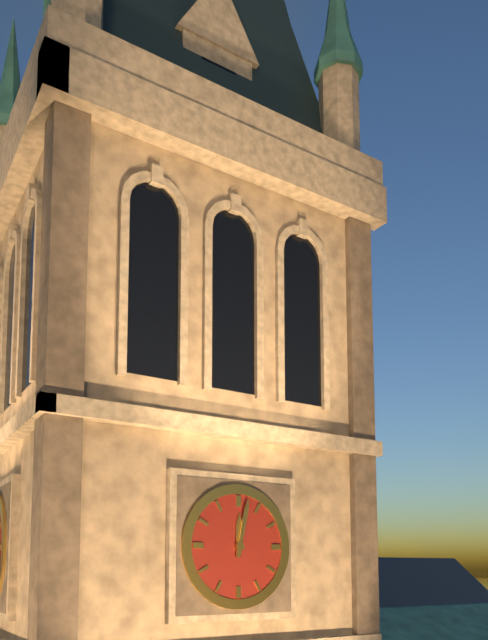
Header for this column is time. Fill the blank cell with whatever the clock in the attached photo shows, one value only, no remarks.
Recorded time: 12:02
